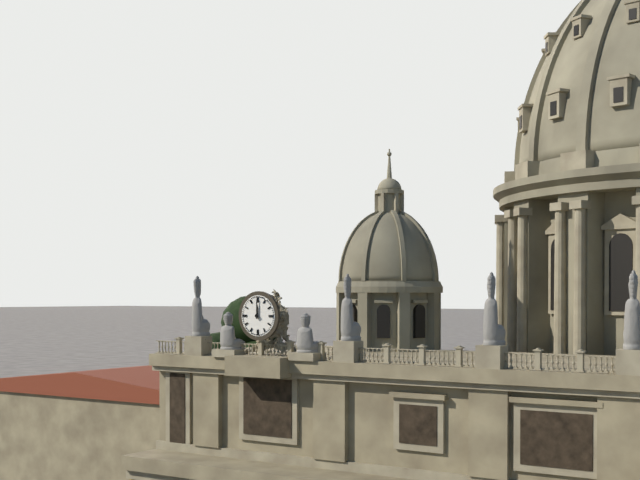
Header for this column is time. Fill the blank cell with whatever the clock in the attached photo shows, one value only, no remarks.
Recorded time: 12:00
